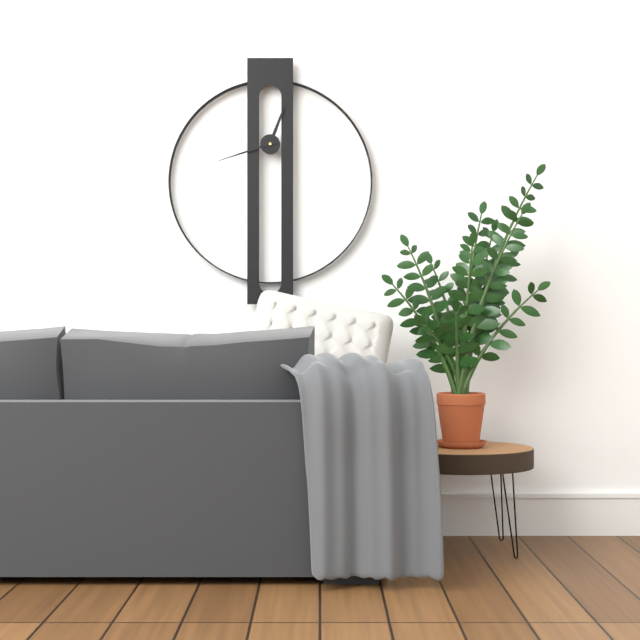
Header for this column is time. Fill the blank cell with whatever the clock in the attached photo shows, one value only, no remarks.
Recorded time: 12:42
